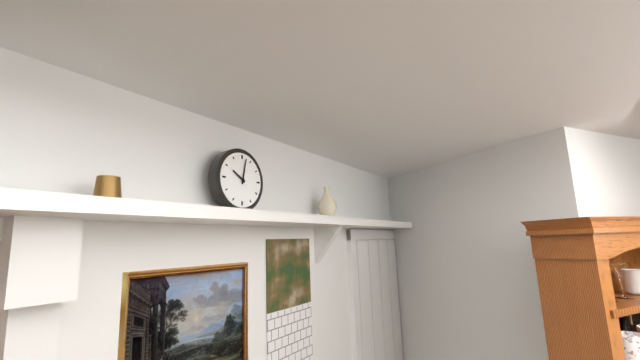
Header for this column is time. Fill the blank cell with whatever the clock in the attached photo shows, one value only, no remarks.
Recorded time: 10:02
